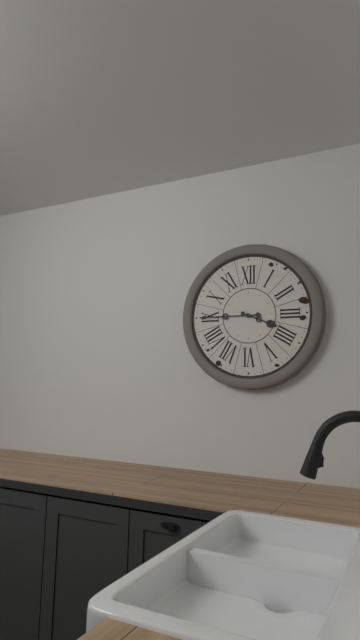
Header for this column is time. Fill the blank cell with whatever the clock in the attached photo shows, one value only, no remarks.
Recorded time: 3:45
